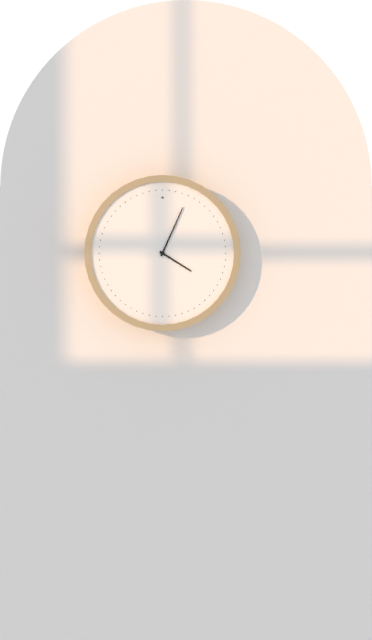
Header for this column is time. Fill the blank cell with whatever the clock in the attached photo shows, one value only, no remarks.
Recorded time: 4:04
